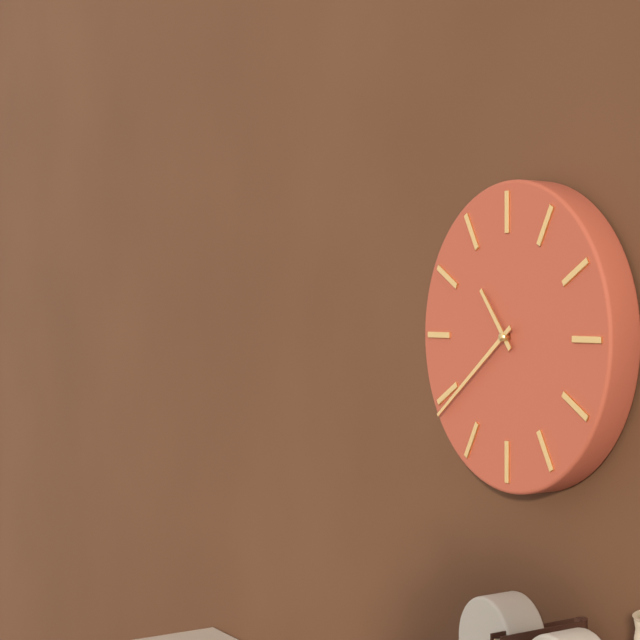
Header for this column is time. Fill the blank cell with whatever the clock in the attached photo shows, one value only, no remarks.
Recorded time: 10:39
